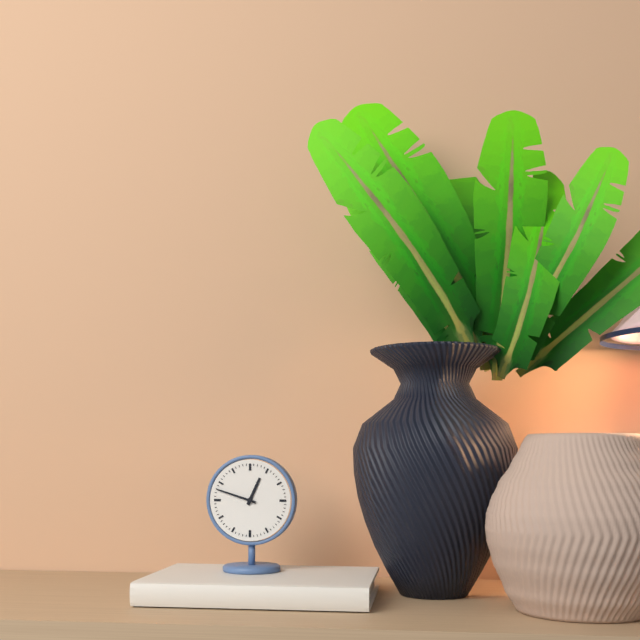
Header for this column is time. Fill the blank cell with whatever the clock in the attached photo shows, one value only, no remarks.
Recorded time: 12:48
